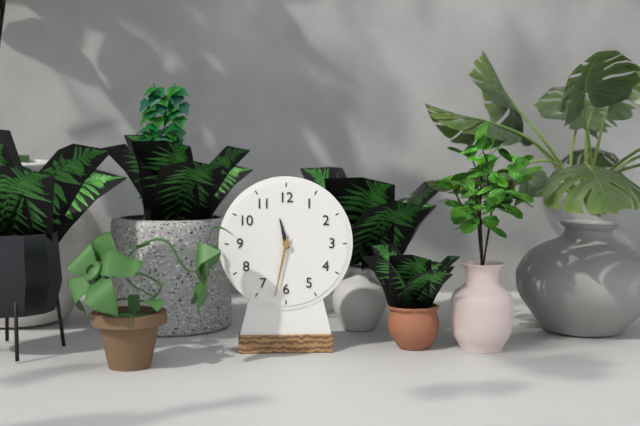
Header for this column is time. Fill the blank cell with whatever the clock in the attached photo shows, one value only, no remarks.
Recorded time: 11:32
